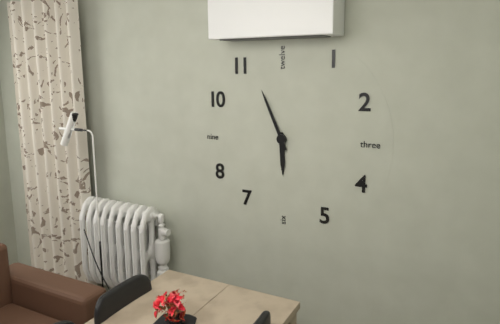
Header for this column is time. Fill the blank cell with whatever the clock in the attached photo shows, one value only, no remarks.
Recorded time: 5:56
